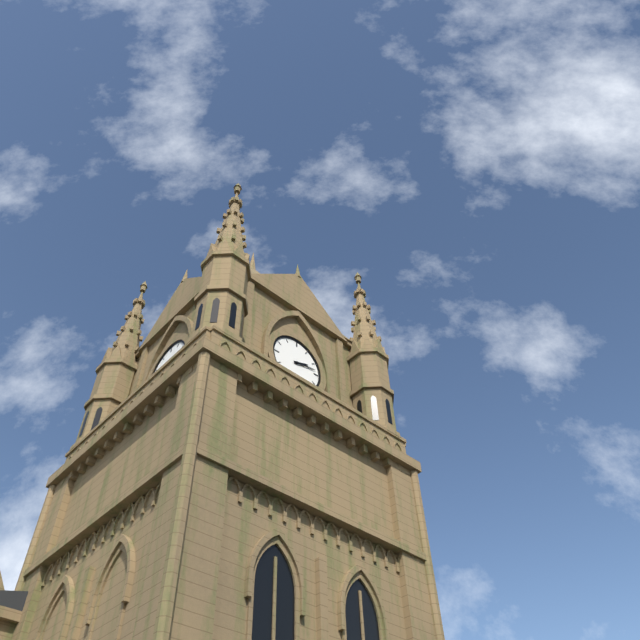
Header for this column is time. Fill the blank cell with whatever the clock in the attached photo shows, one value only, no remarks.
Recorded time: 2:13
